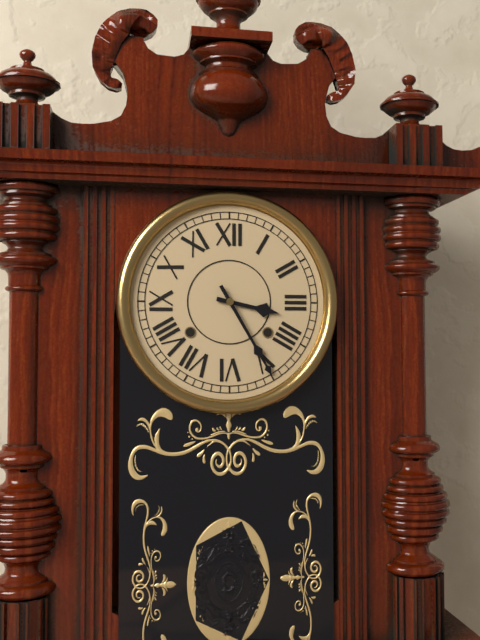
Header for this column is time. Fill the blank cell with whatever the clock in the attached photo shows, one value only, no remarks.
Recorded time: 3:25
